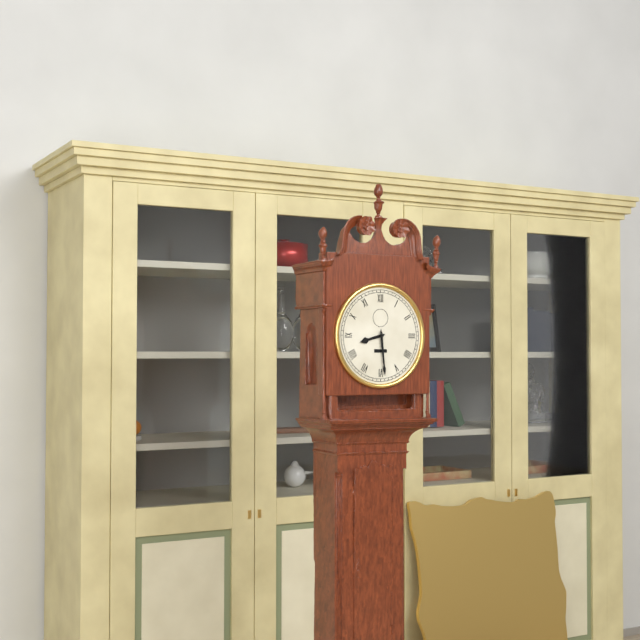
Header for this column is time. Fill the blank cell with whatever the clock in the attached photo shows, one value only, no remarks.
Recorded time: 8:29
